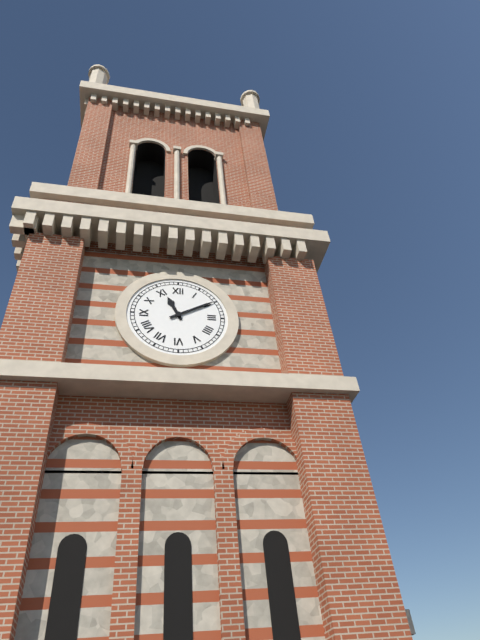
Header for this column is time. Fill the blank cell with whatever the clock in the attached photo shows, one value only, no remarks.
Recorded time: 11:10
